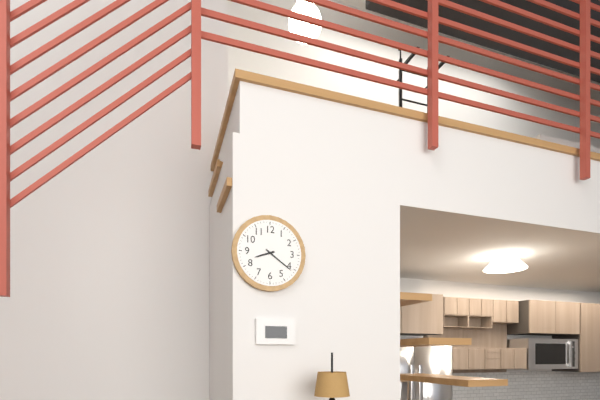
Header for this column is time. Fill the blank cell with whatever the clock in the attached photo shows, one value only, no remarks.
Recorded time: 8:21
